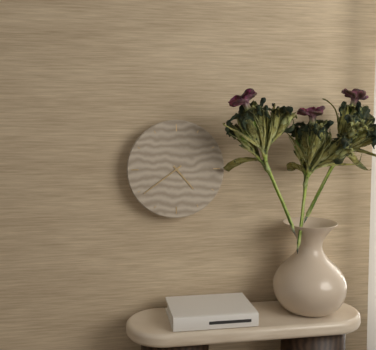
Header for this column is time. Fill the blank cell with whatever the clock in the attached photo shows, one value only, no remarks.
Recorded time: 4:39
